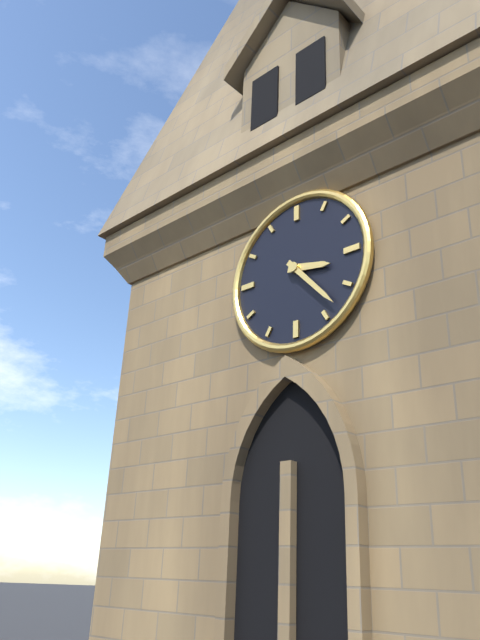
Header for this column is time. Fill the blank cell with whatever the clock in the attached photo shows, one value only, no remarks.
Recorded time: 3:23
